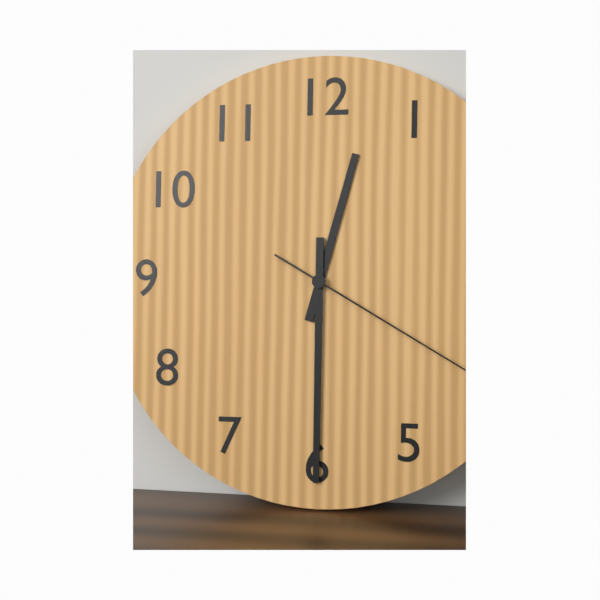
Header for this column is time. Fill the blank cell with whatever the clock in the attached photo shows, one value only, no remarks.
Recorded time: 12:30:20
